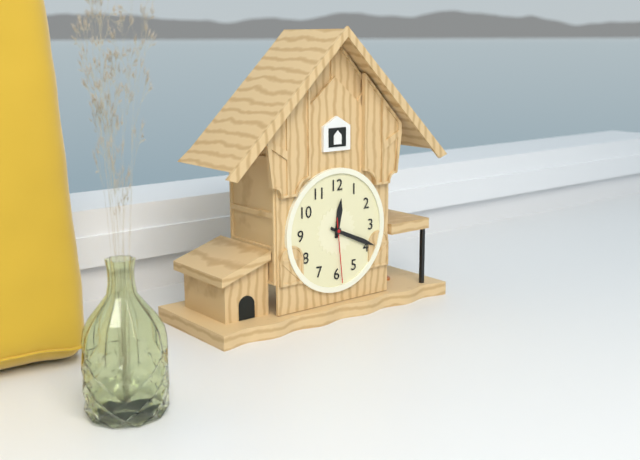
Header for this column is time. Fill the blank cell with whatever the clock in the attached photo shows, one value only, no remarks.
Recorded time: 12:19:29
